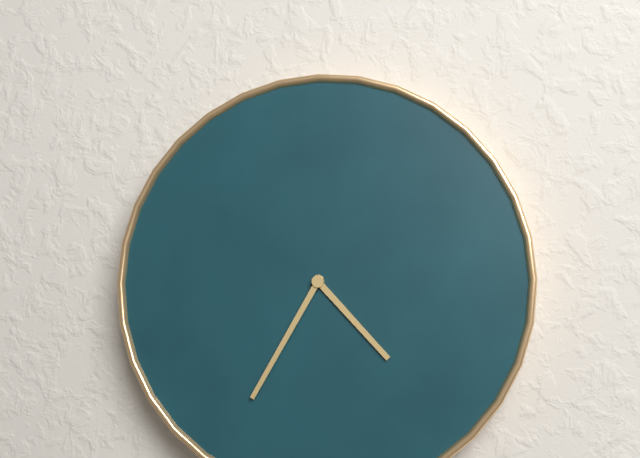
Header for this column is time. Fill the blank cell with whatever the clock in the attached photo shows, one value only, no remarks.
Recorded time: 4:35
